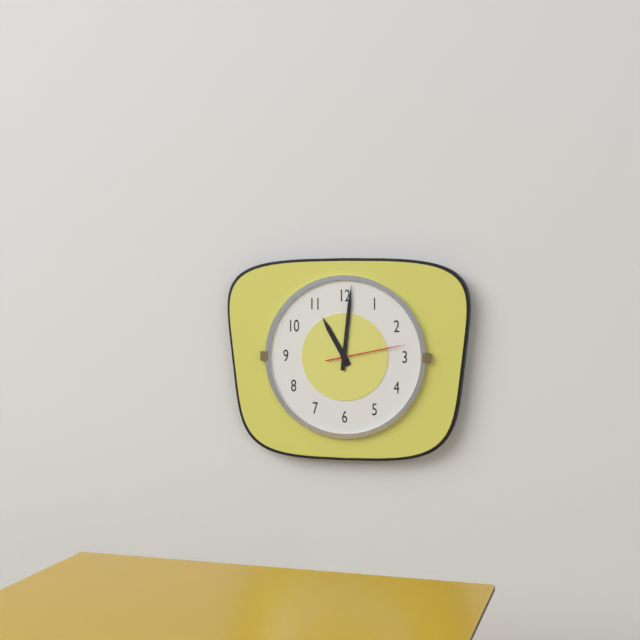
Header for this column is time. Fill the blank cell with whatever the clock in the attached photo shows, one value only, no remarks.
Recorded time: 11:01:13
